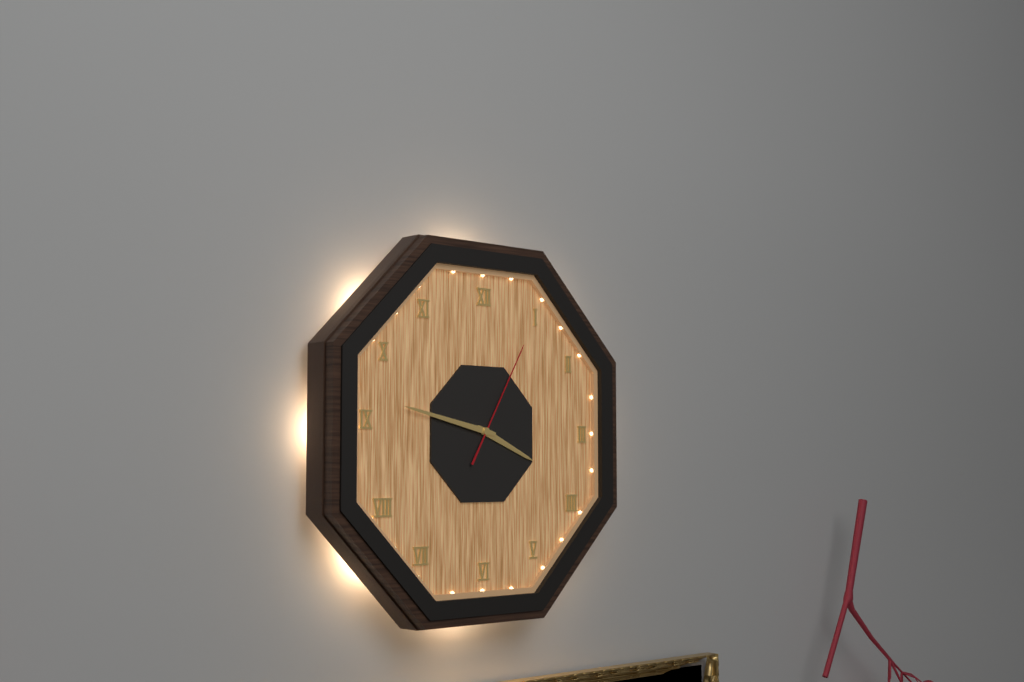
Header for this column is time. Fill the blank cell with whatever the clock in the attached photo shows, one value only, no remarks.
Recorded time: 3:47:05
